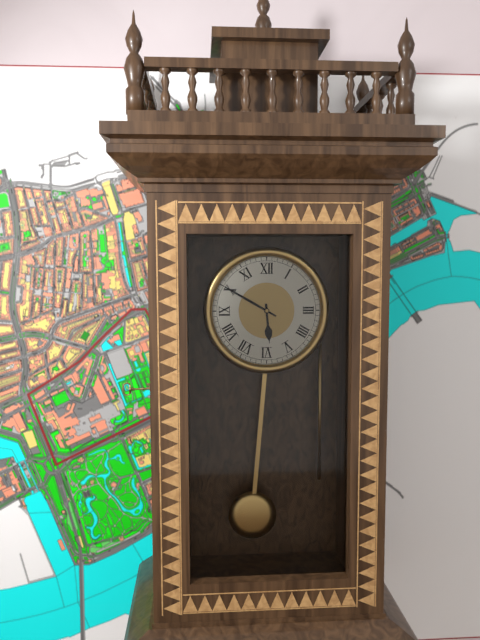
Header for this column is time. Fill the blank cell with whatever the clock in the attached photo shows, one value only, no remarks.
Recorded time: 5:50
